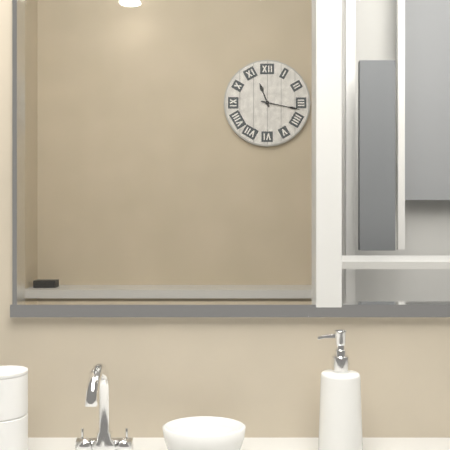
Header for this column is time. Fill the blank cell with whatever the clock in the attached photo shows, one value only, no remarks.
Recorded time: 11:17
